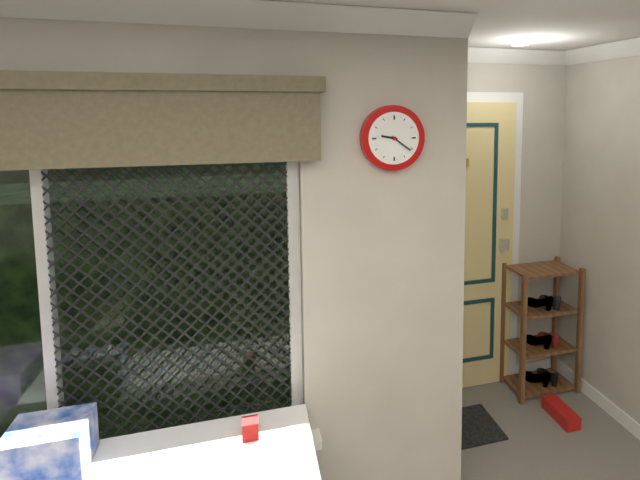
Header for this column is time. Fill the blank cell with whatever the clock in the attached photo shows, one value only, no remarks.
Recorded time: 9:21
